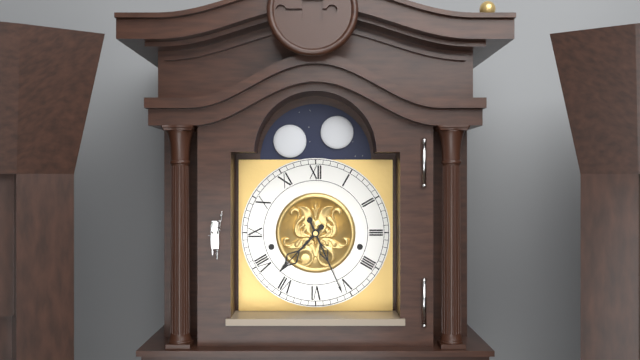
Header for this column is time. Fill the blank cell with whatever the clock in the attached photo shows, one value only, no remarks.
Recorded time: 7:26
